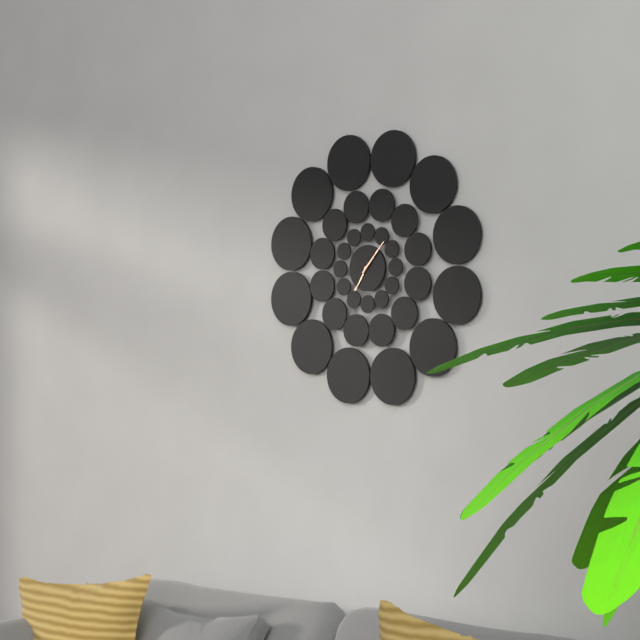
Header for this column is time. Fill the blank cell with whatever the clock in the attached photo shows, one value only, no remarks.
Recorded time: 7:07
